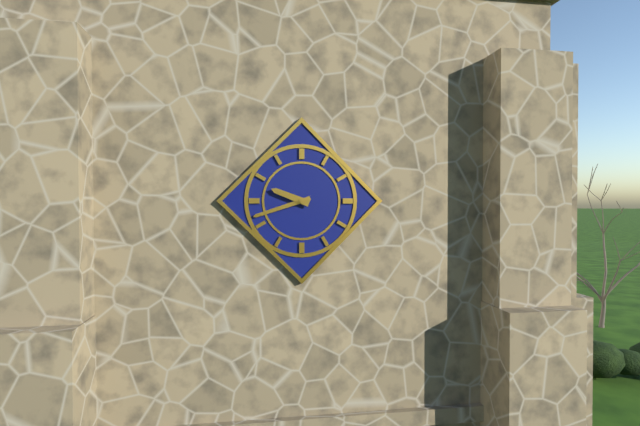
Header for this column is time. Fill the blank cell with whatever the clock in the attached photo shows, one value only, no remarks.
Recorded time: 9:42
